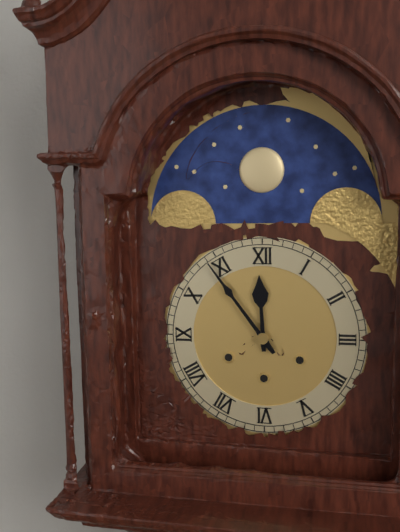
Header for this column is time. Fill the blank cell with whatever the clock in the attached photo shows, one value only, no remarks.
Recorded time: 11:54
